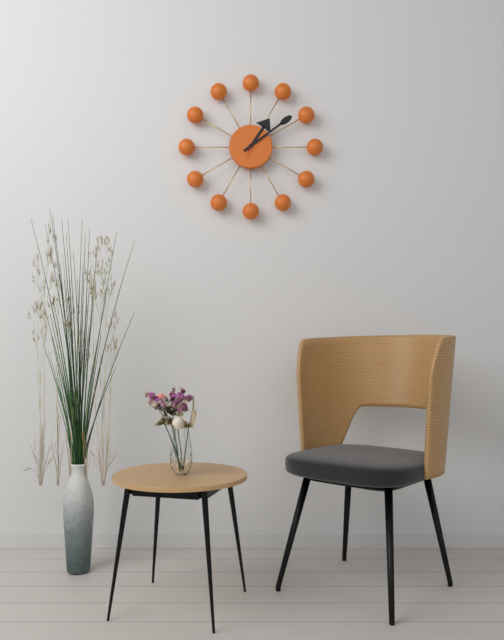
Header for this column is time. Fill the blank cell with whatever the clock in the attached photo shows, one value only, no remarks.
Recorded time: 1:09
